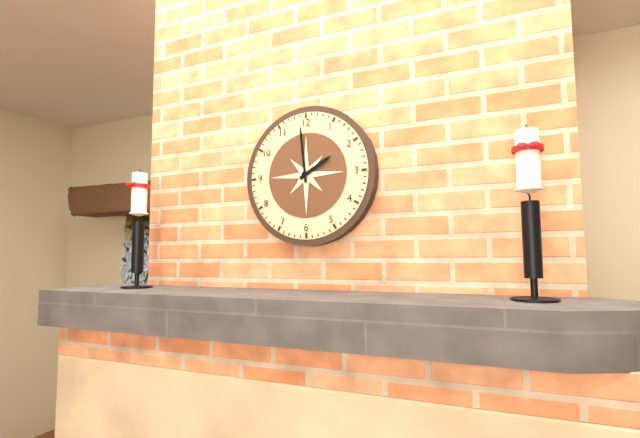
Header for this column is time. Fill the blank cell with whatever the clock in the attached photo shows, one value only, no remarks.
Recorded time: 1:59
